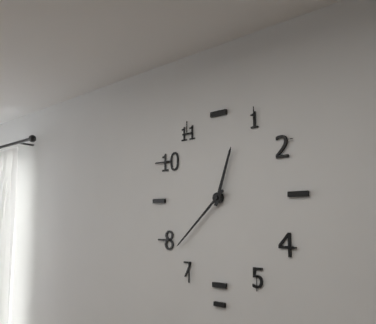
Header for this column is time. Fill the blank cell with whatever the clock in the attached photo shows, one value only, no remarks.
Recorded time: 12:38
